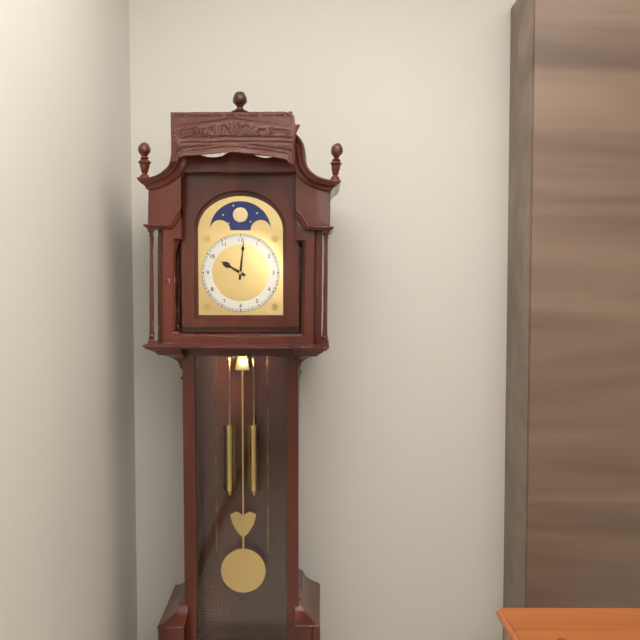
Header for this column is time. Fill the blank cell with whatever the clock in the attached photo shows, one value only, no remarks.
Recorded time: 10:01
